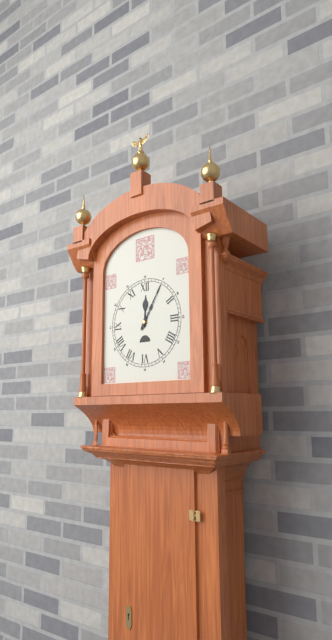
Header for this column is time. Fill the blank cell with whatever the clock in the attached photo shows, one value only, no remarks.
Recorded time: 12:05
